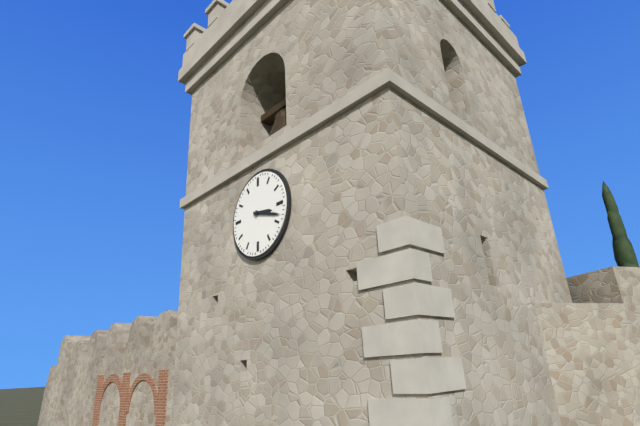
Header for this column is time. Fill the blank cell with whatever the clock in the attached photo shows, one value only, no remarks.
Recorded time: 3:18
